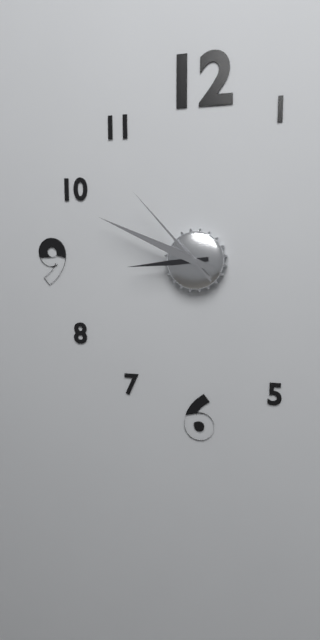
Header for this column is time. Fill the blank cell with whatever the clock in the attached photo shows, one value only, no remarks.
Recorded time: 8:49:53
